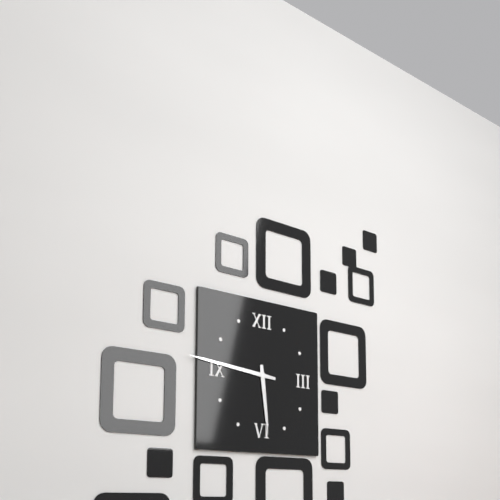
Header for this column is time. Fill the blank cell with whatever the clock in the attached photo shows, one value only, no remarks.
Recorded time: 5:46
